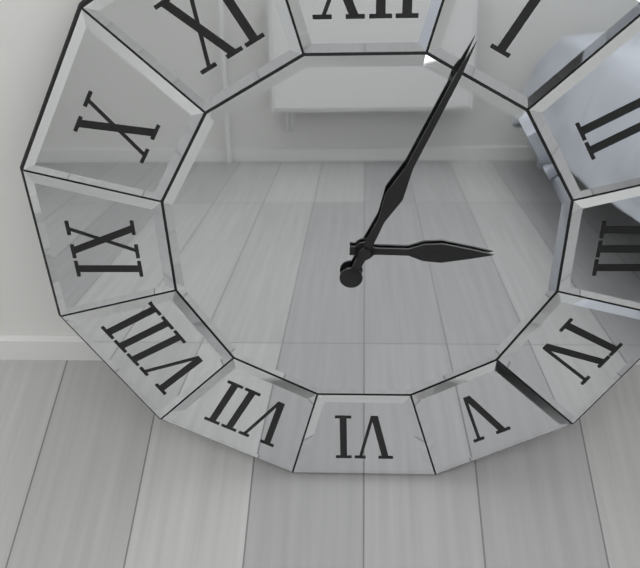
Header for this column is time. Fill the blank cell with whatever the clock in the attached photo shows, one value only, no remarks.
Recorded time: 3:04
